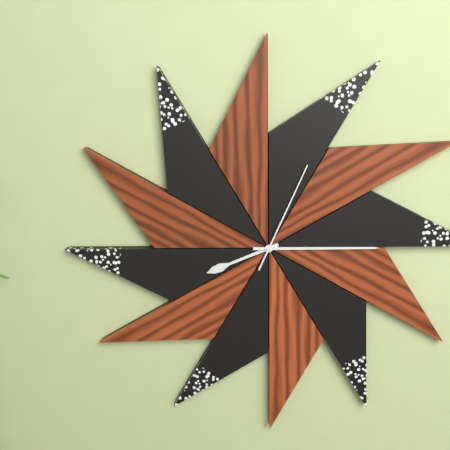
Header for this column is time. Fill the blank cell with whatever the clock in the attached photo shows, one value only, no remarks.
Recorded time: 8:15:04
